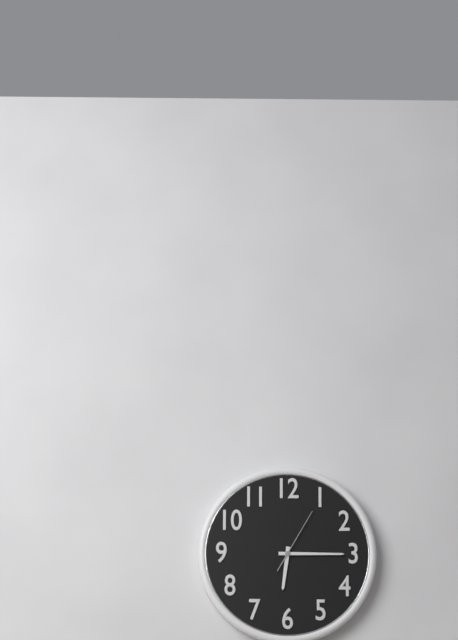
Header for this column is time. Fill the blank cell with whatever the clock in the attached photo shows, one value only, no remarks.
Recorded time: 6:15:05
